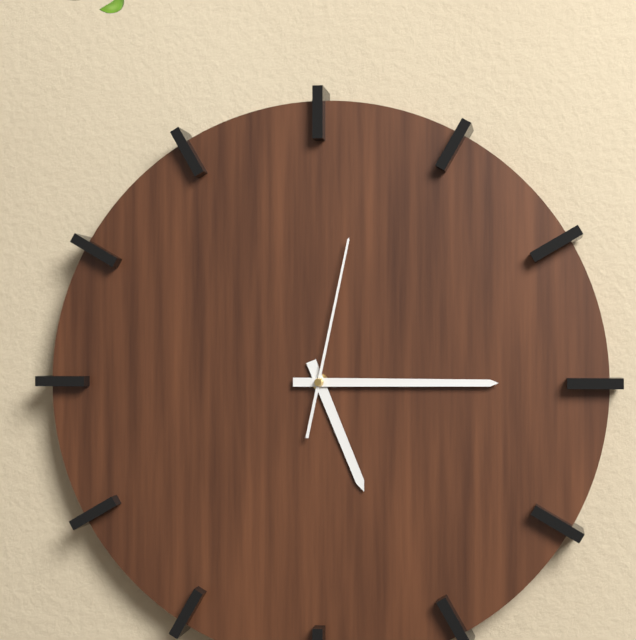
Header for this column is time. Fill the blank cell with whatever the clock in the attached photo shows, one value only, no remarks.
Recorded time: 5:15:02
